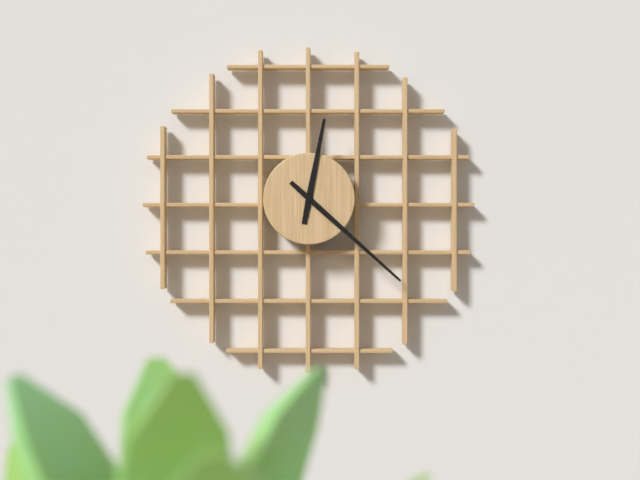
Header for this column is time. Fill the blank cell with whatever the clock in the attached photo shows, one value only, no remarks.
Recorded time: 12:22
